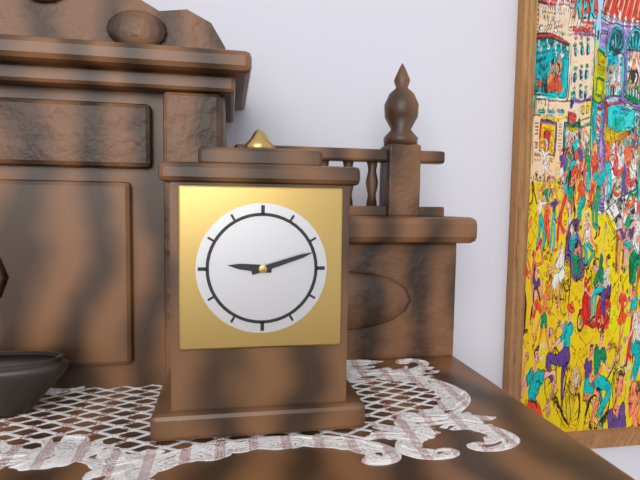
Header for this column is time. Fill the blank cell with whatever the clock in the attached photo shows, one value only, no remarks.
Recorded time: 9:12
